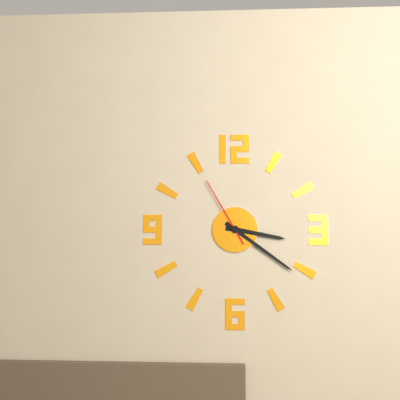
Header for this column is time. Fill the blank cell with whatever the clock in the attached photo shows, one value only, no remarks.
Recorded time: 3:21:55
